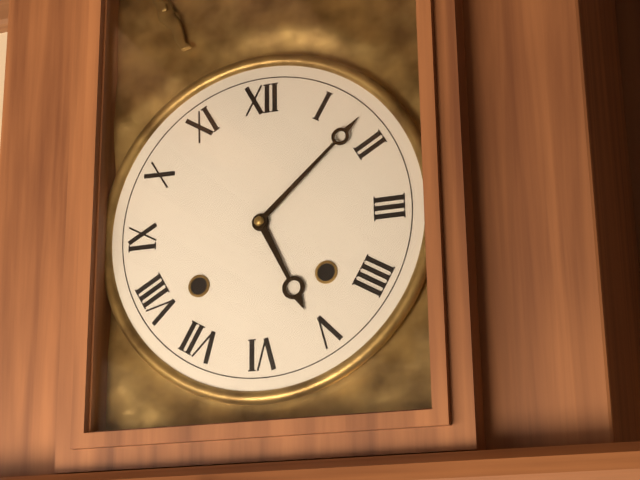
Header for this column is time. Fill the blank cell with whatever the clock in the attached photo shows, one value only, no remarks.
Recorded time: 5:08
